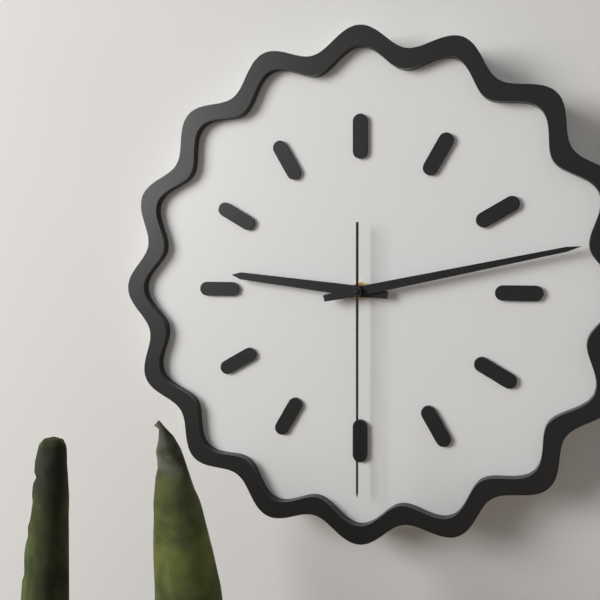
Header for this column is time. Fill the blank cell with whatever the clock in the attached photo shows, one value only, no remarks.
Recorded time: 9:13:30
